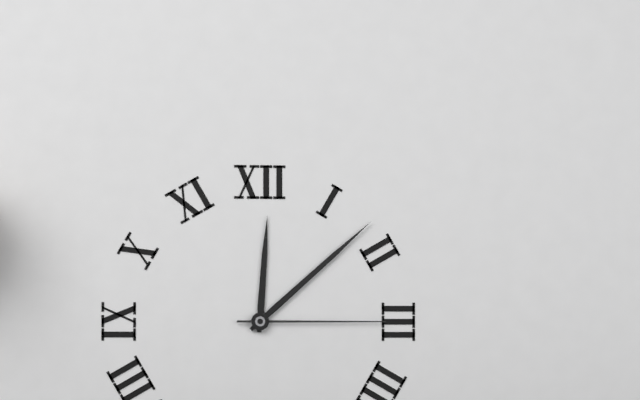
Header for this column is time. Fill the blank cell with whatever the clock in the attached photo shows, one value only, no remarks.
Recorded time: 12:08:15
